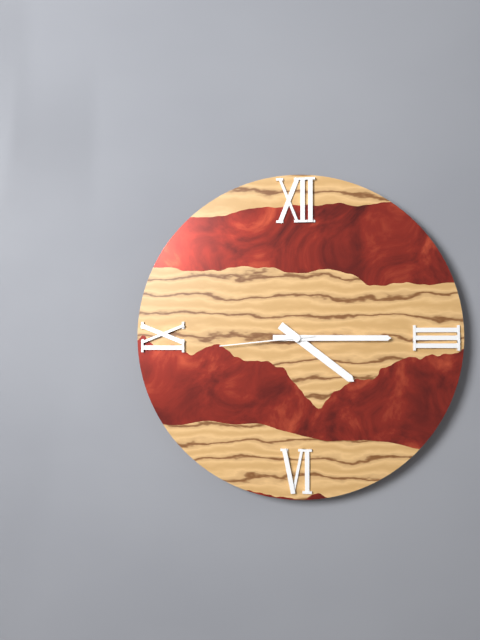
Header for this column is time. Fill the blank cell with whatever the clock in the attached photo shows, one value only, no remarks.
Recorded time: 4:15:44
